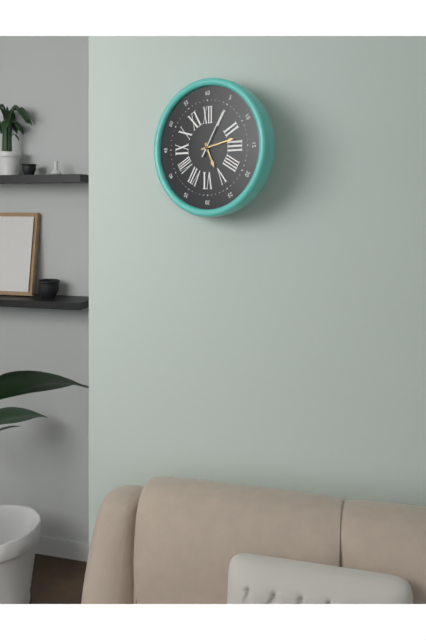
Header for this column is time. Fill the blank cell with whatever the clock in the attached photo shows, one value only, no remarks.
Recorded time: 5:13:05
